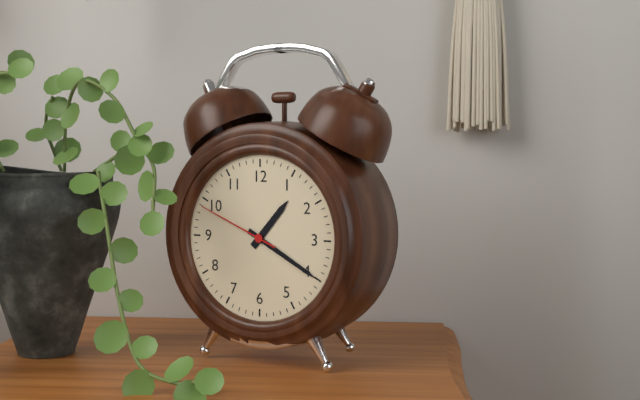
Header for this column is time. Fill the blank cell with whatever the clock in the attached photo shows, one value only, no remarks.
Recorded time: 1:20:49
